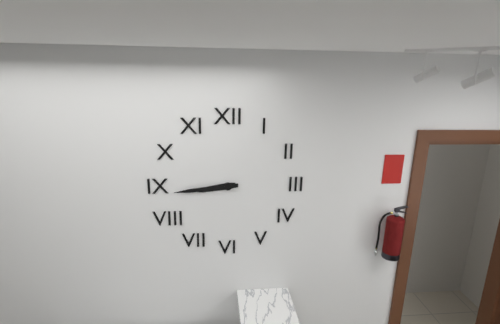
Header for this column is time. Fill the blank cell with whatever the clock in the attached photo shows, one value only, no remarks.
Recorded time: 8:44
